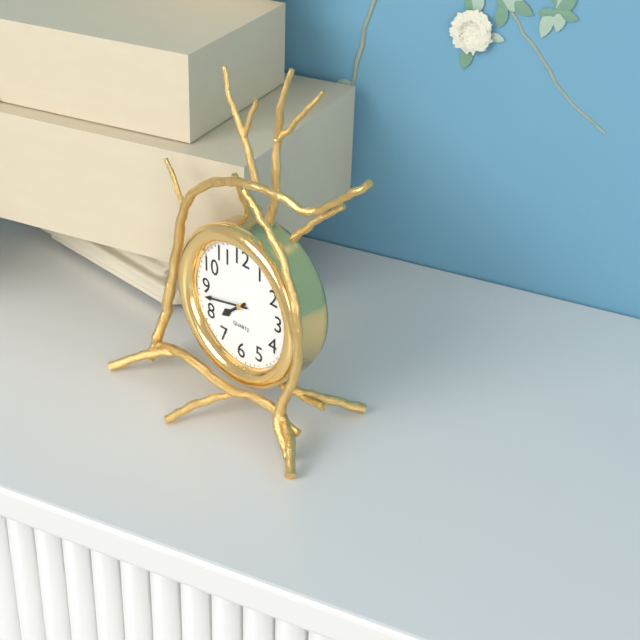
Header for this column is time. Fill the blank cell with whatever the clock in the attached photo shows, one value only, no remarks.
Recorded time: 7:43
